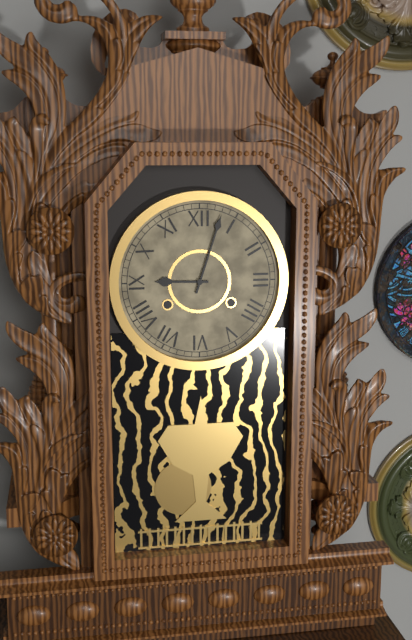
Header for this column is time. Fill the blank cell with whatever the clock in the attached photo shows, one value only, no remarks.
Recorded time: 9:03
